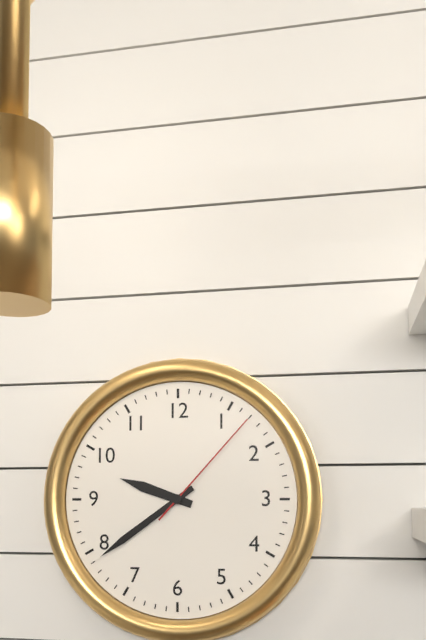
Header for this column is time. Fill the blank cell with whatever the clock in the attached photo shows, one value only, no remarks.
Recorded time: 9:39:07
